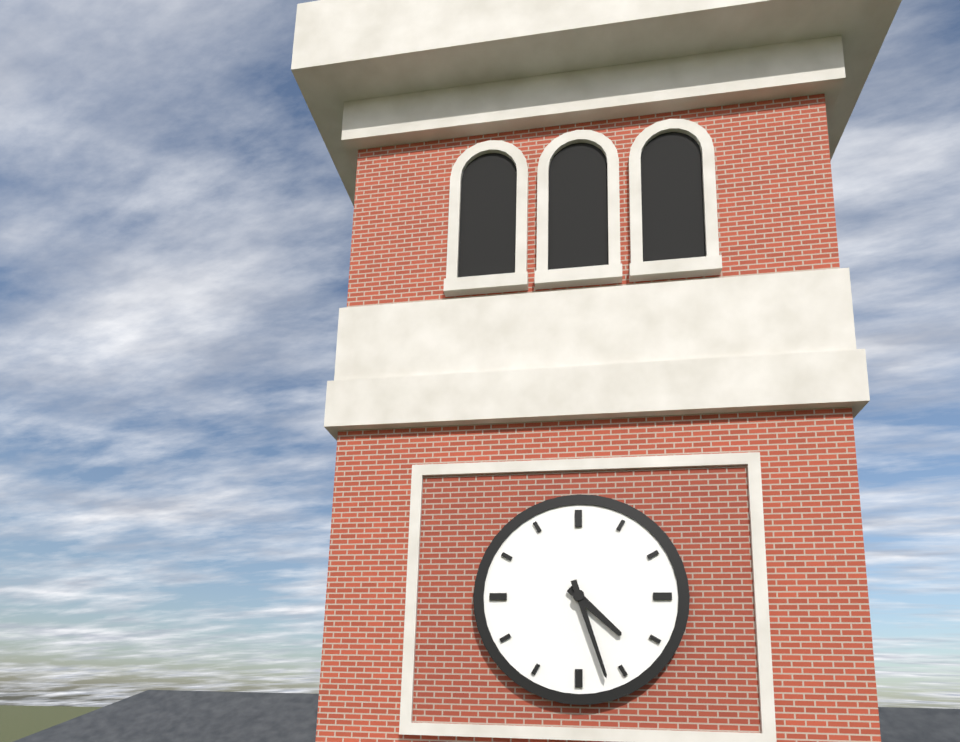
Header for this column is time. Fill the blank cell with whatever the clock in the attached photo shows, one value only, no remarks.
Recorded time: 4:27
